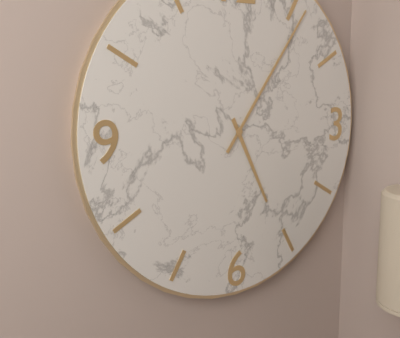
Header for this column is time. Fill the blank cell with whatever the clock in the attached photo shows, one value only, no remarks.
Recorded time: 5:06
